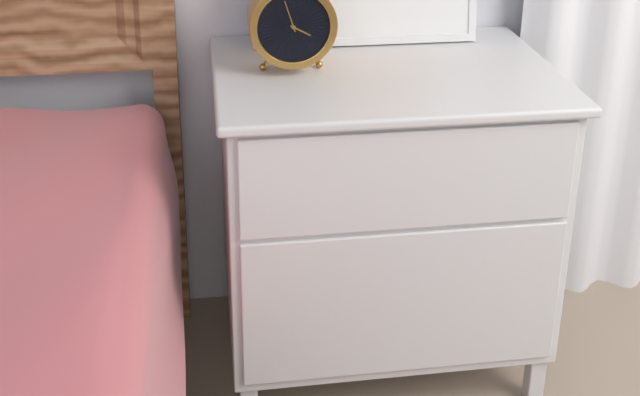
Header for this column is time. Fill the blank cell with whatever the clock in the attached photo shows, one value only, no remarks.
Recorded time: 3:57
